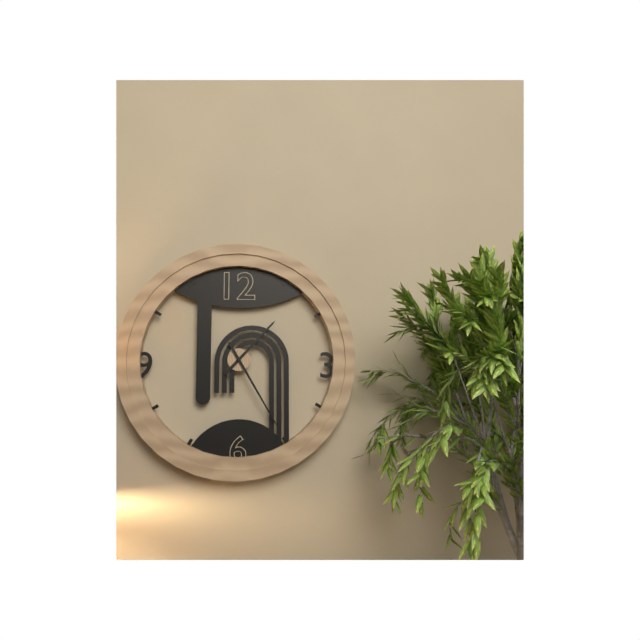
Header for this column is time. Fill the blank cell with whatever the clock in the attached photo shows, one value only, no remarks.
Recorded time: 1:25
